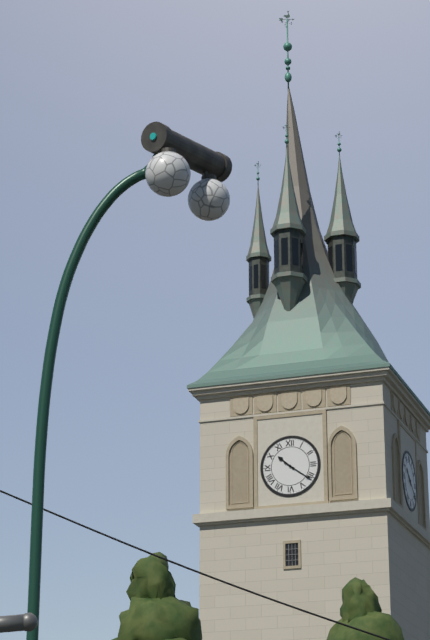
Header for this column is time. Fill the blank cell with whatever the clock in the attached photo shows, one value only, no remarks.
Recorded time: 10:21
